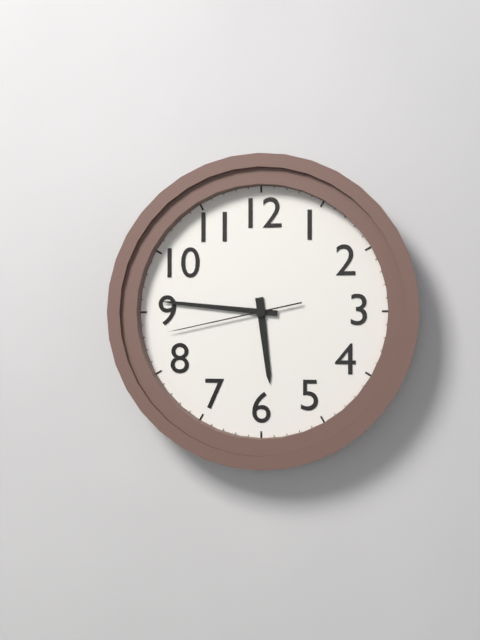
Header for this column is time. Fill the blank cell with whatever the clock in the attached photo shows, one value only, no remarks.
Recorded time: 5:46:43
